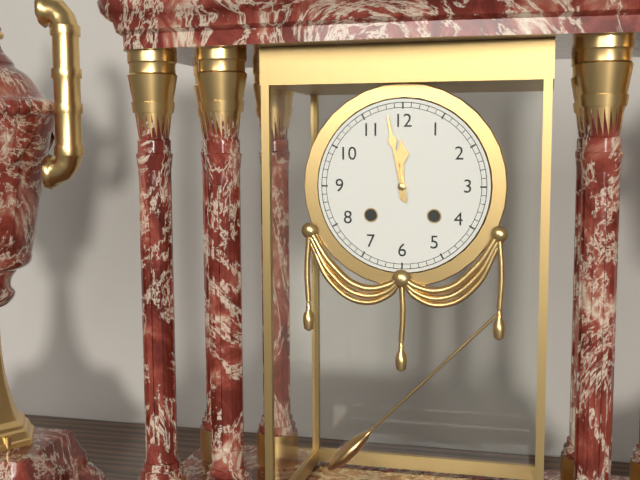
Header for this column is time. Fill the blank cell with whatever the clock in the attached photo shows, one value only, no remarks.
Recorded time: 11:58
